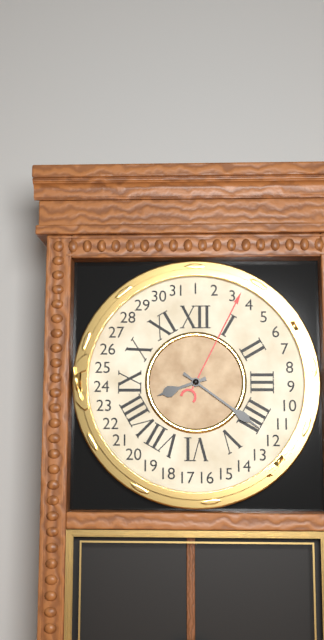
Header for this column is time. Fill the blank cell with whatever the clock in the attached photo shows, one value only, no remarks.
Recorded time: 8:21
